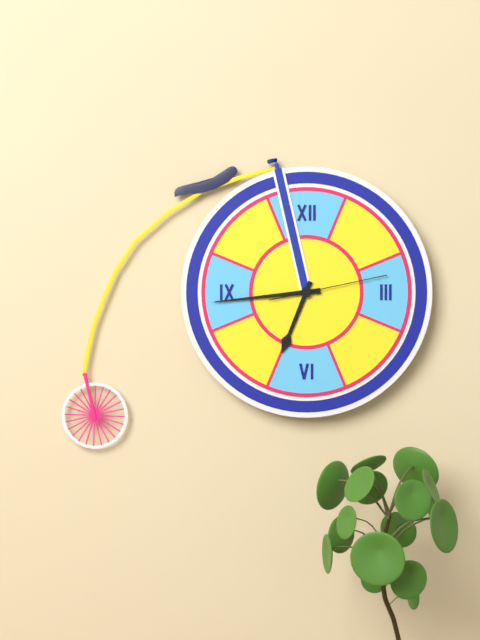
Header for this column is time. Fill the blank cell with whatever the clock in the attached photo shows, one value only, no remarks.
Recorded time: 6:44:13
